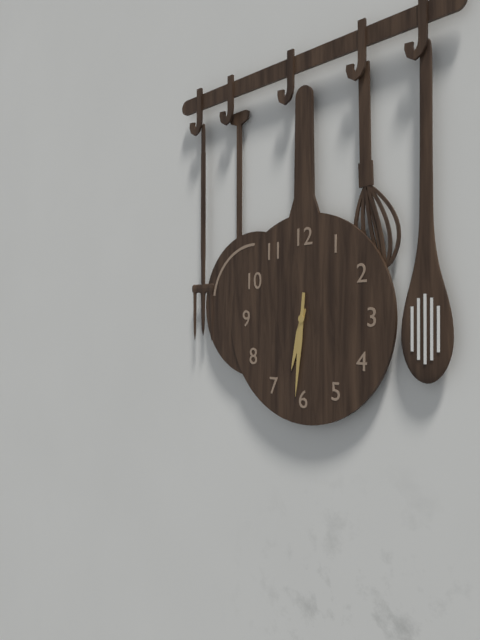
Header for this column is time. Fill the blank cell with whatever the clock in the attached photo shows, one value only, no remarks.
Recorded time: 6:31
